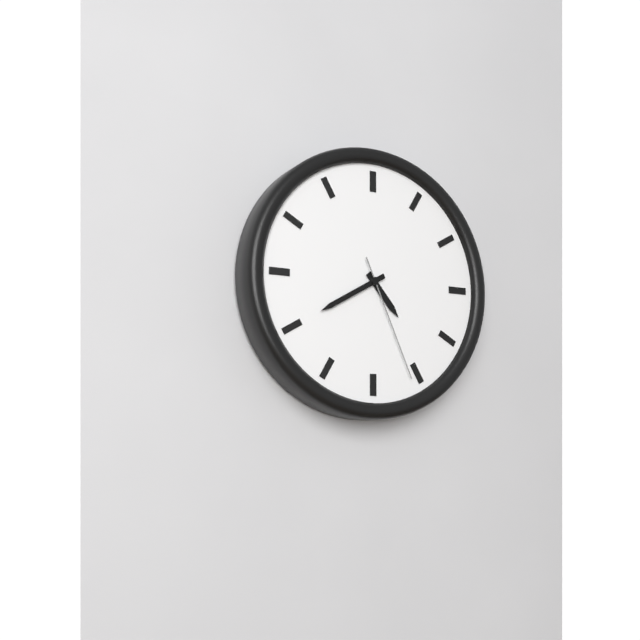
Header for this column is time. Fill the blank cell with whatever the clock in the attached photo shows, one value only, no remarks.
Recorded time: 4:40:26
